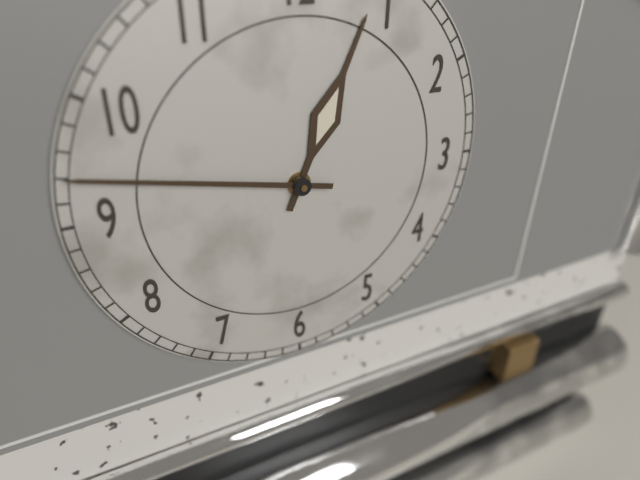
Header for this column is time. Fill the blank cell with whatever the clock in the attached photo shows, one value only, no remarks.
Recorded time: 12:47
